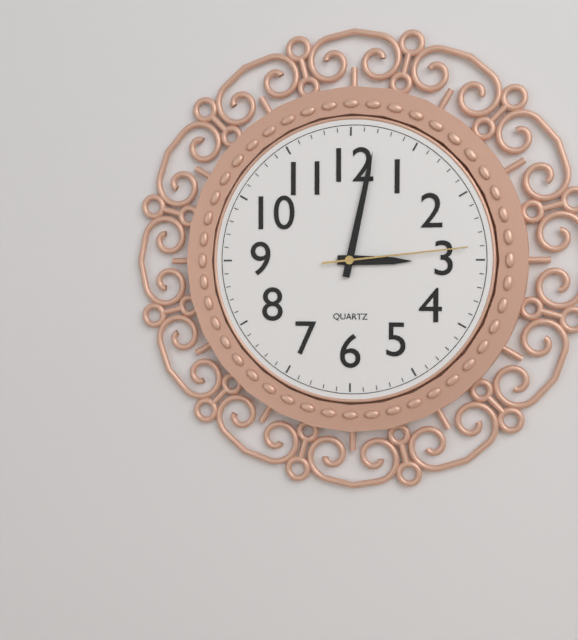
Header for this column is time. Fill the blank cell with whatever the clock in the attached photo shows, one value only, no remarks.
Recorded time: 3:02:14
